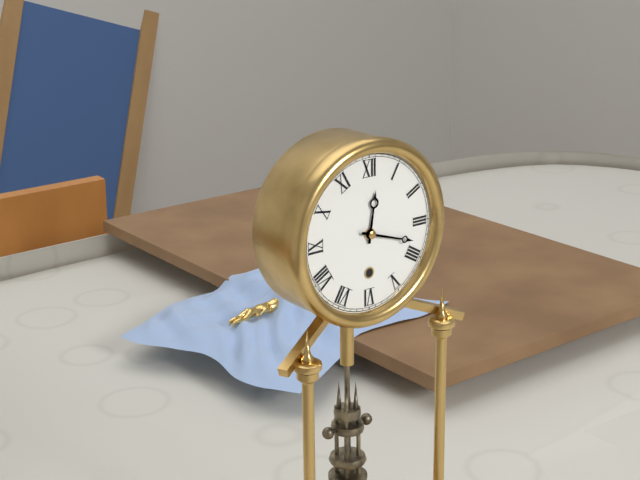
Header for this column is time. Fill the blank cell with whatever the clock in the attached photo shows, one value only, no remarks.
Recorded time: 12:18
